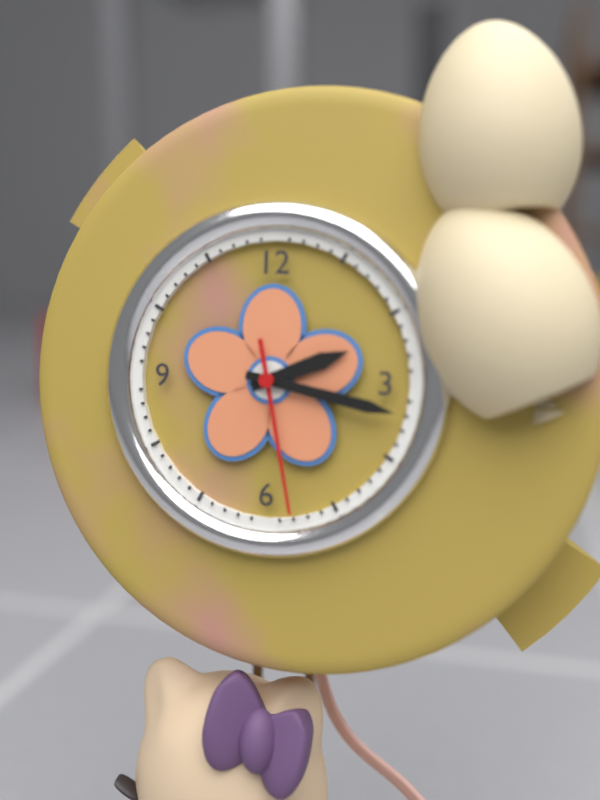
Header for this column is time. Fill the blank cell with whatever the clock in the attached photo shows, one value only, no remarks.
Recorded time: 2:17:28
